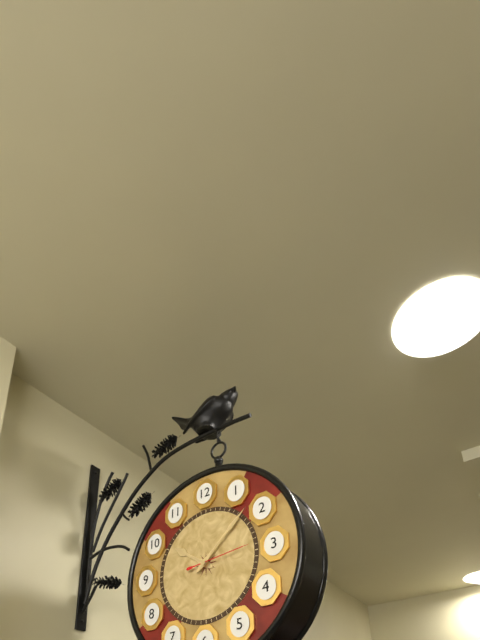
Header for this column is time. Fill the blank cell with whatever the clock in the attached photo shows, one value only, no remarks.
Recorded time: 10:08:14
